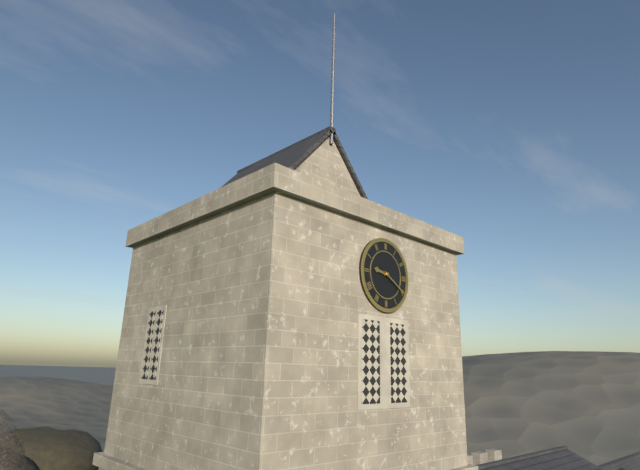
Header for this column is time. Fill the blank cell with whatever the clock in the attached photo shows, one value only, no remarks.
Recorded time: 9:20
